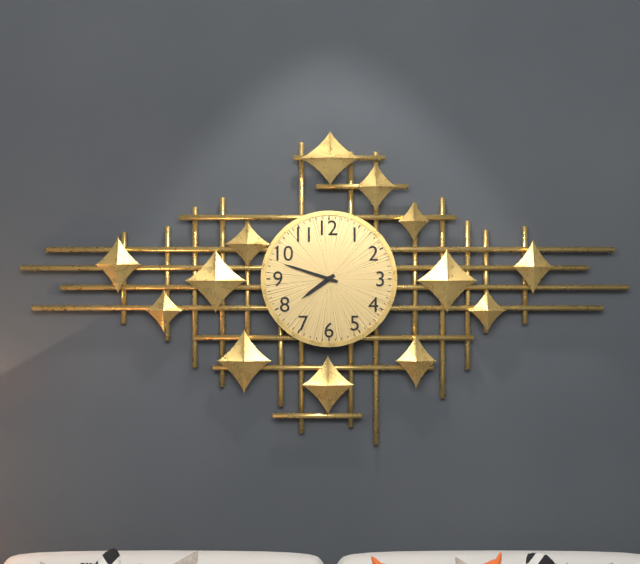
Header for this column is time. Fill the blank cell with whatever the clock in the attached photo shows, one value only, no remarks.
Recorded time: 7:48
